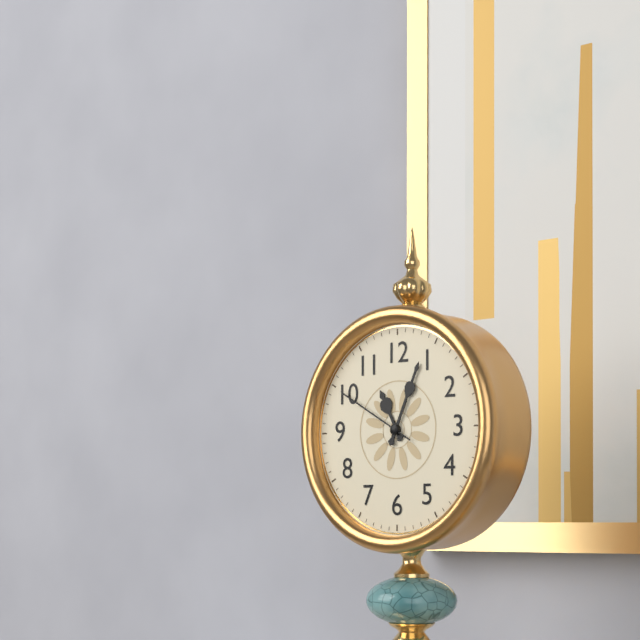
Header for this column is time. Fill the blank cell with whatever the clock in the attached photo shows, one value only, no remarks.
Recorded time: 11:04:50
